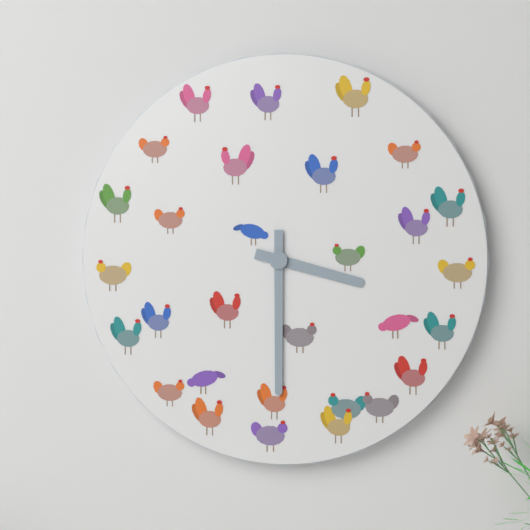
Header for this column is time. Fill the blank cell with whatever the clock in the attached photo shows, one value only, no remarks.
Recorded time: 3:30
